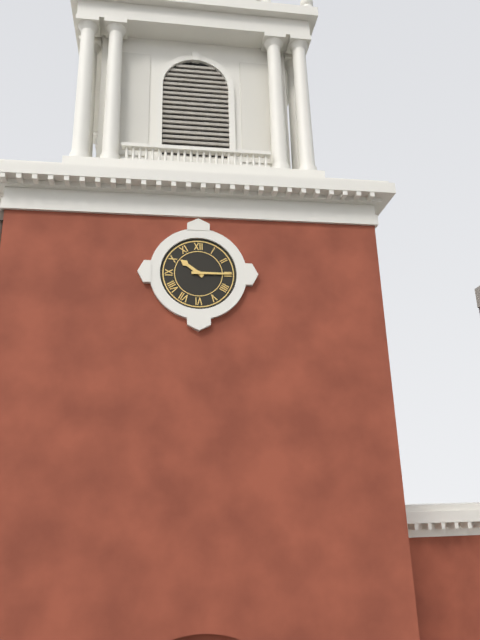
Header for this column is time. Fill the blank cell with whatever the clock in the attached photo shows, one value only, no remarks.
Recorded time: 10:15
